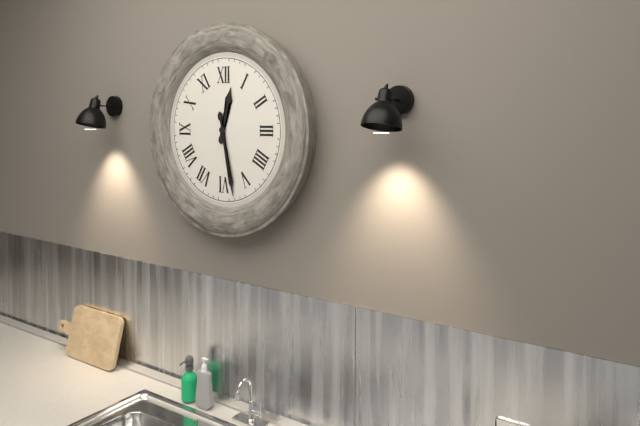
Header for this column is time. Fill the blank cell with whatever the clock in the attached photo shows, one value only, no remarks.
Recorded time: 12:28
